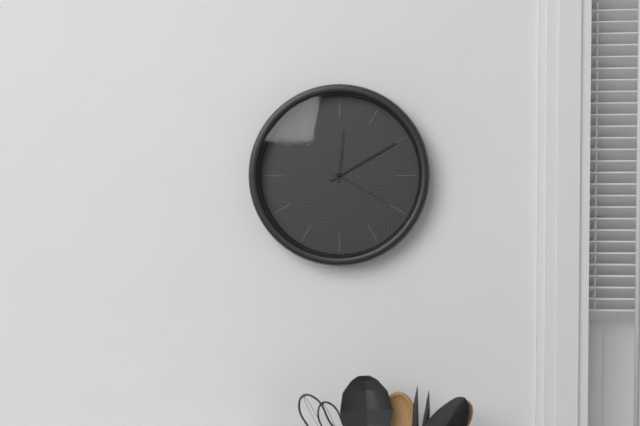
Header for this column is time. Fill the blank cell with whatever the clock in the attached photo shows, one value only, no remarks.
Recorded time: 12:10:20
